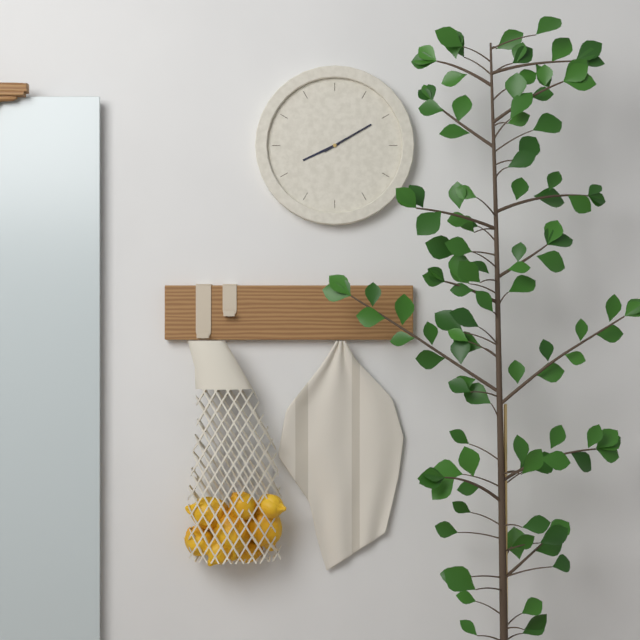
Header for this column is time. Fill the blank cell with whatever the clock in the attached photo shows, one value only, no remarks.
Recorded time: 8:10
